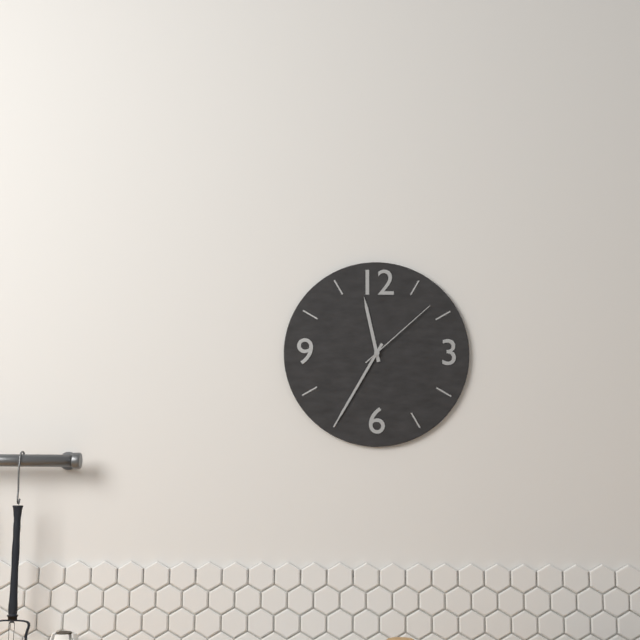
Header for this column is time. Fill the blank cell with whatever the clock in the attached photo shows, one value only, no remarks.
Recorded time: 11:35:08
